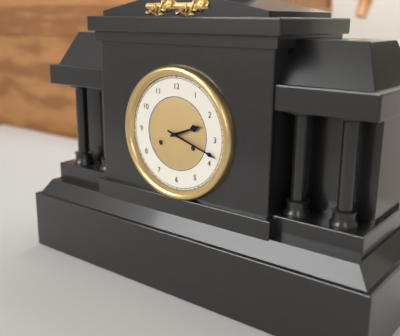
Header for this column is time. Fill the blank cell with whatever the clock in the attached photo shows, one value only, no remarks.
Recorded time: 2:18
